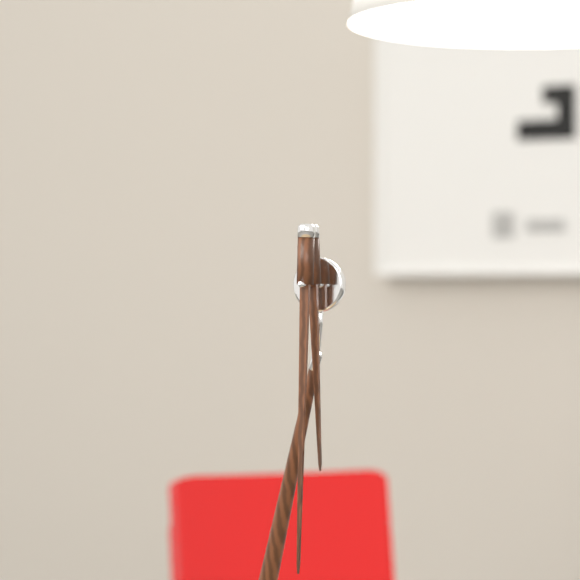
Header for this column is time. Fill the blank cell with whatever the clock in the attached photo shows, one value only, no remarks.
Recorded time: 5:28
